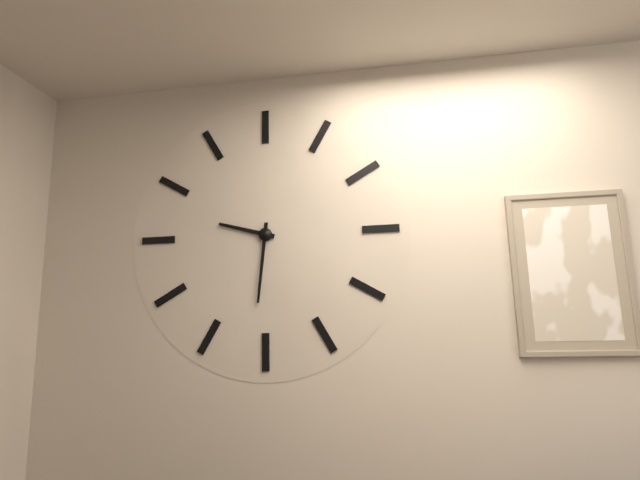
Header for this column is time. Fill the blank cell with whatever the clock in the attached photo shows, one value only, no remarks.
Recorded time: 9:31
